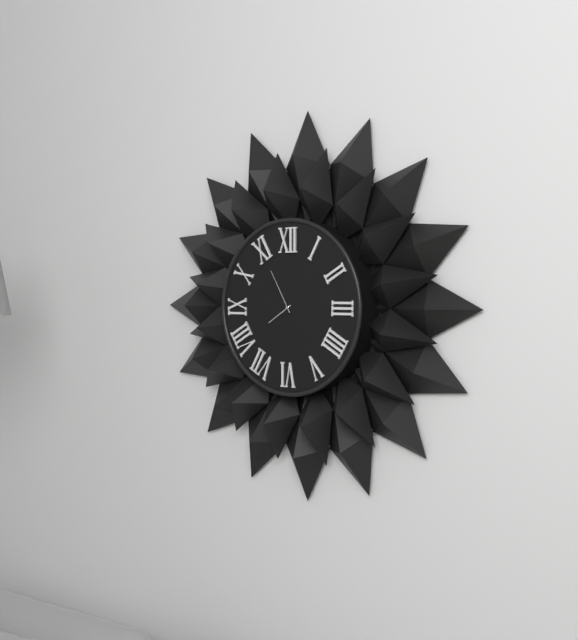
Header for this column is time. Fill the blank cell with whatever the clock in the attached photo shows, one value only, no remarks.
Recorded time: 7:55
